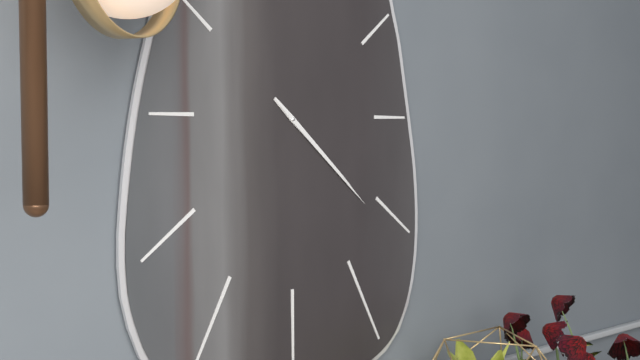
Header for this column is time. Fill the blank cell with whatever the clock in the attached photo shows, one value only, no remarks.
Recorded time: 4:22
